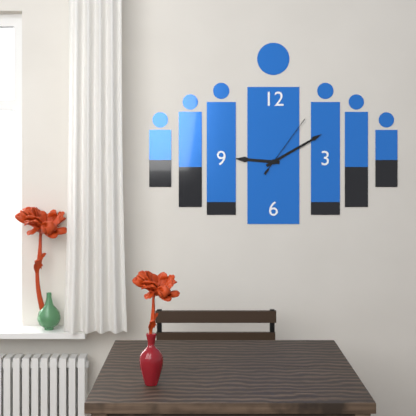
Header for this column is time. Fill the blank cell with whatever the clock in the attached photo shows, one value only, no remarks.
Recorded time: 9:10:06
